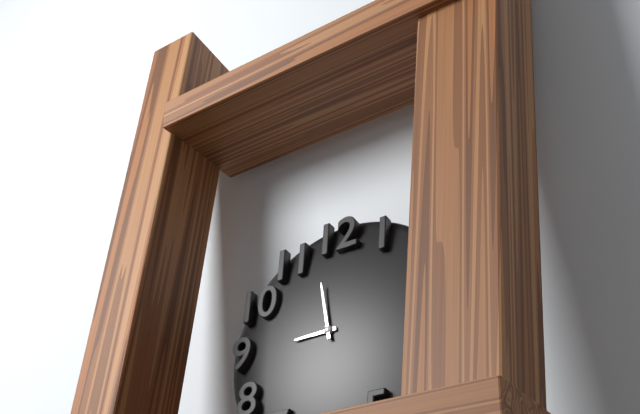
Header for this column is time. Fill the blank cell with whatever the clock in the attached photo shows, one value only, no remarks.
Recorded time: 8:58
